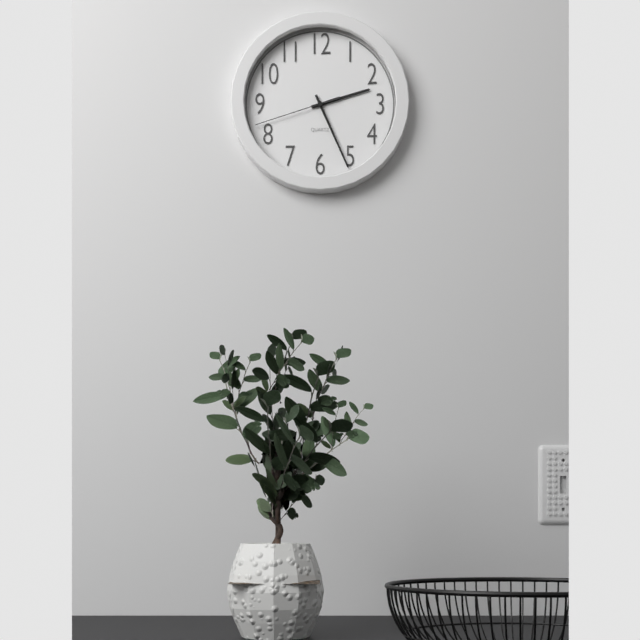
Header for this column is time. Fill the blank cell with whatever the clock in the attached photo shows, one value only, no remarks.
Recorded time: 2:26:42
